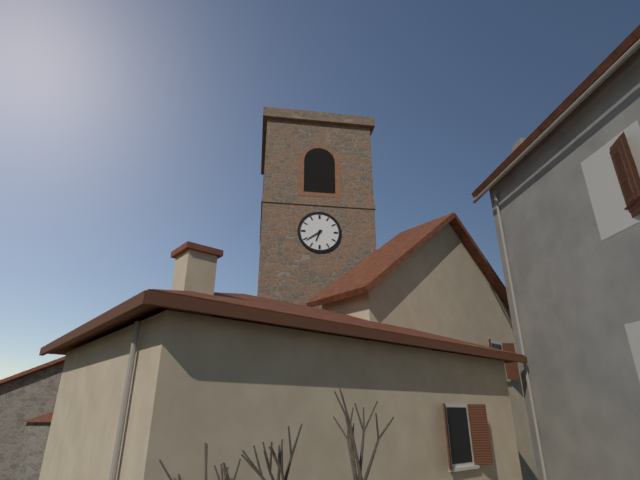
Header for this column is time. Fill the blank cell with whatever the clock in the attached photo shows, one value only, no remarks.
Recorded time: 6:39
